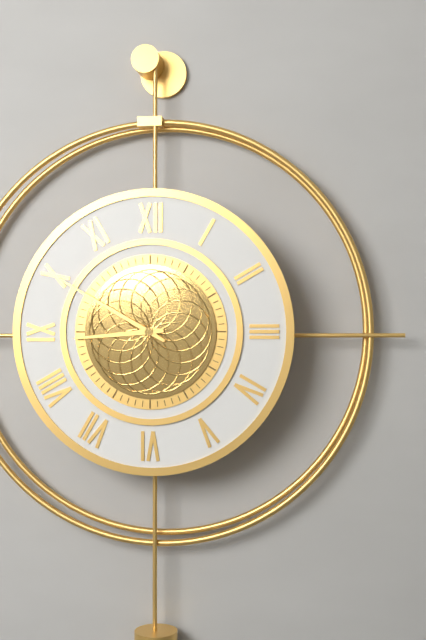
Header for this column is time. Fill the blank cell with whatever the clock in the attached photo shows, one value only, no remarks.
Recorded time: 8:50
